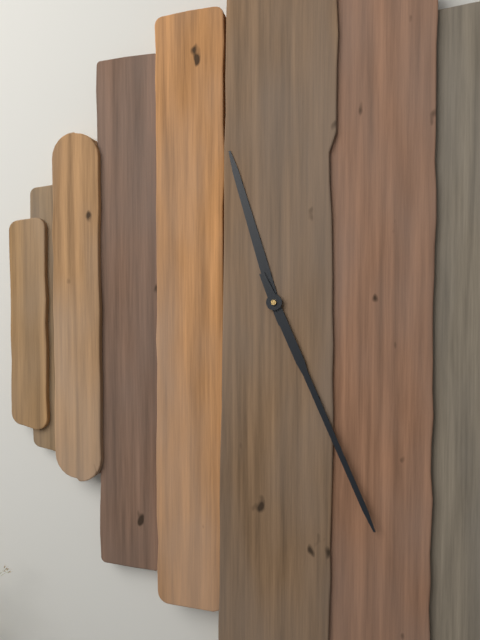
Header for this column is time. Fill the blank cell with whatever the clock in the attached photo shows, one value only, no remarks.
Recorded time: 11:26
